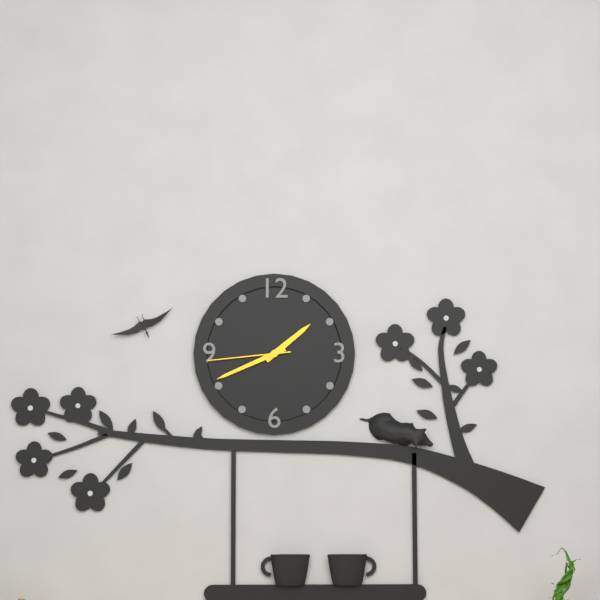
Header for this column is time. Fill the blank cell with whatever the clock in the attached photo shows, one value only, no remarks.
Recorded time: 1:41:44
